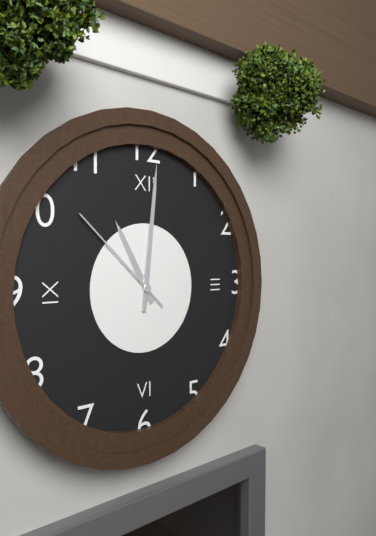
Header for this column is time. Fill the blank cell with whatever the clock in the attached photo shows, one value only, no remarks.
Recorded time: 11:01:52
